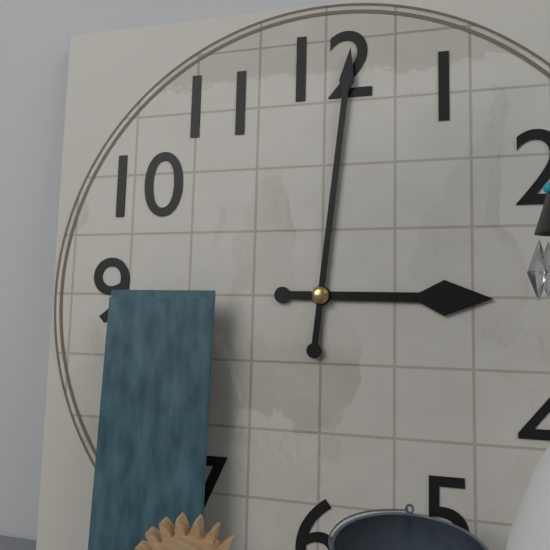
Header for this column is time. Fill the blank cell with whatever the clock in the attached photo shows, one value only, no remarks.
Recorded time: 3:01
